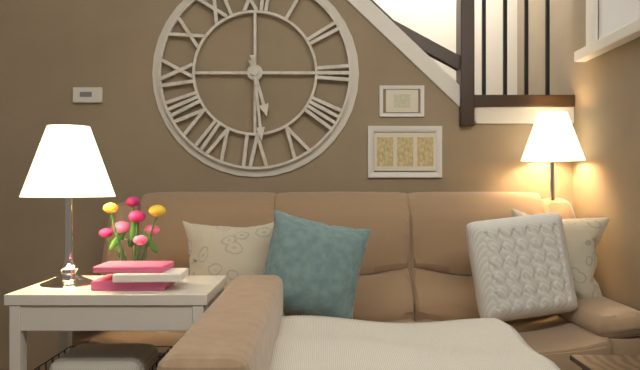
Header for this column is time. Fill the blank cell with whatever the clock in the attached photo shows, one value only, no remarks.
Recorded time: 5:29
